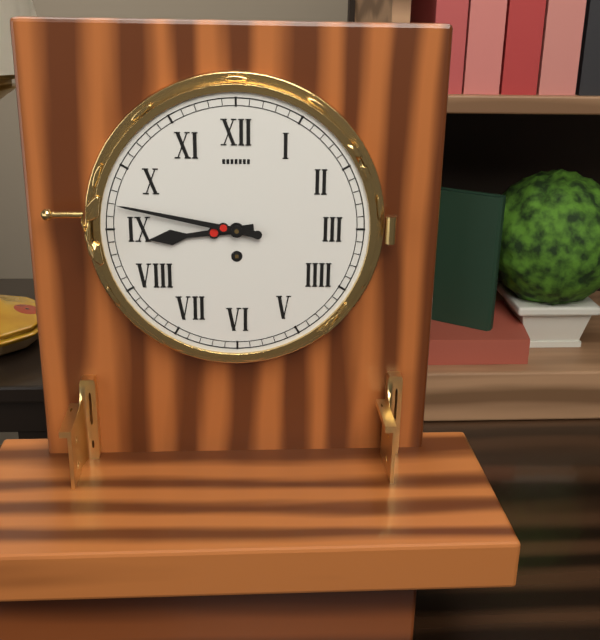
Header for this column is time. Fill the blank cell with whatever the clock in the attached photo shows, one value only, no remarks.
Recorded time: 8:47
